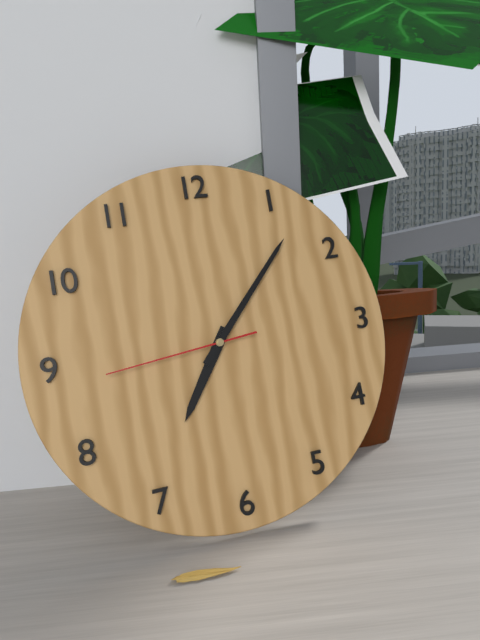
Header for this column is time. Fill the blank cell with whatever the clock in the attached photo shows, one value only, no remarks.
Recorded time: 7:07:44
